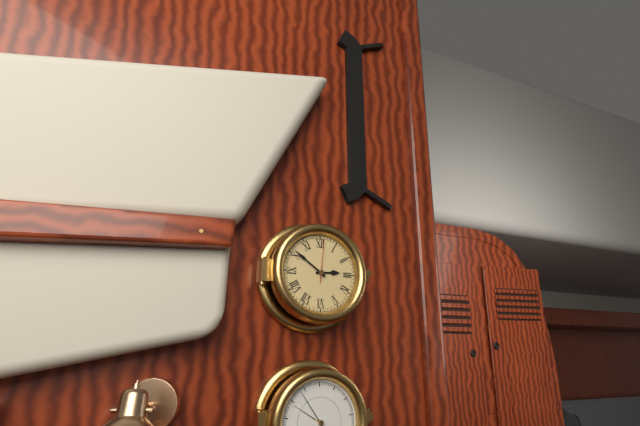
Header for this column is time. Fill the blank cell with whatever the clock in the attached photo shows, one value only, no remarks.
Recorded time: 2:51:01
